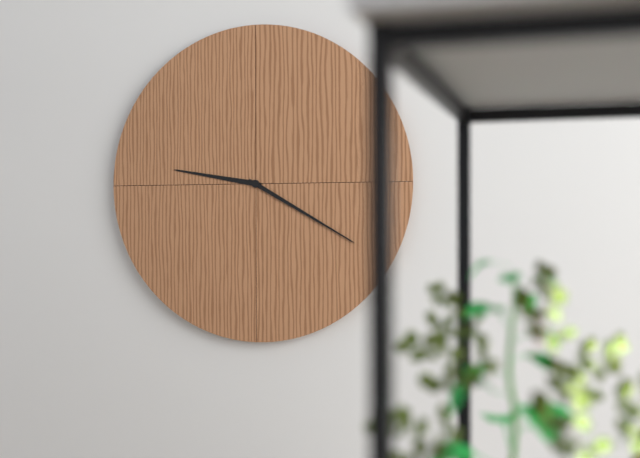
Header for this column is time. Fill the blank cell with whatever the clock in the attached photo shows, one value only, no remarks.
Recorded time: 9:20
